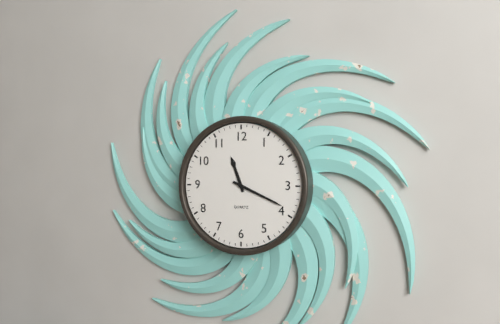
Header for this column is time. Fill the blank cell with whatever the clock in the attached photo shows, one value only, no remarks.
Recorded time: 11:19
